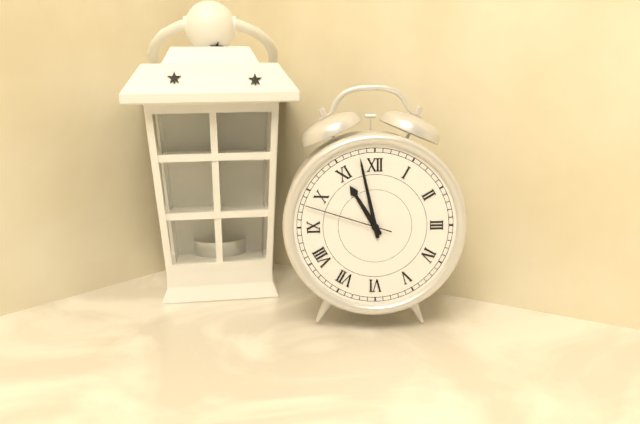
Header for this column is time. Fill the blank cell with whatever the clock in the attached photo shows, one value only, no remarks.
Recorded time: 10:58:48
